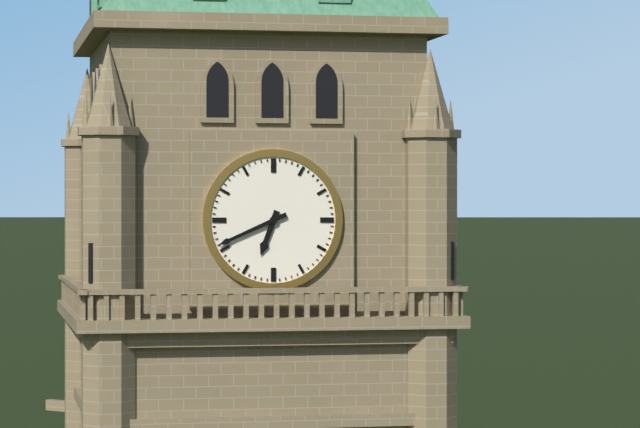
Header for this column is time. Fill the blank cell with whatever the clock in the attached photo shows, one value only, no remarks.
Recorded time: 6:41
